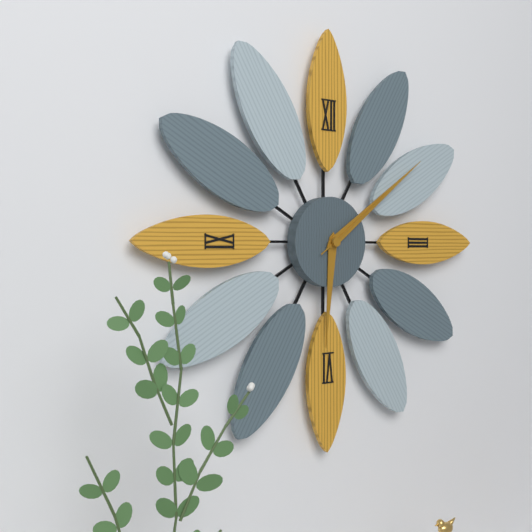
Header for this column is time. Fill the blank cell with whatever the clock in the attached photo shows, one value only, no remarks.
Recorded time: 6:09:09
